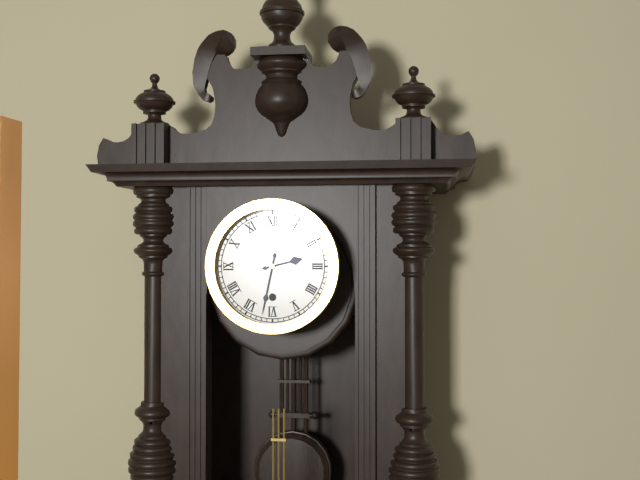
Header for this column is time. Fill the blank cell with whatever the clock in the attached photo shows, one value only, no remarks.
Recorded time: 2:32
